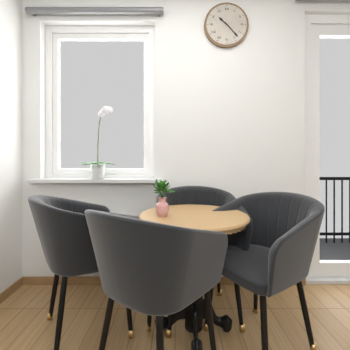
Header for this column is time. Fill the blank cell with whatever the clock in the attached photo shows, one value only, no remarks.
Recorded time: 10:23
